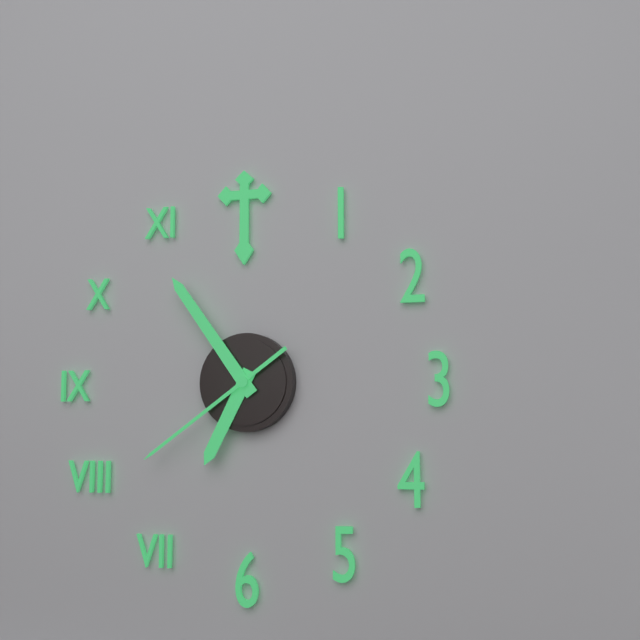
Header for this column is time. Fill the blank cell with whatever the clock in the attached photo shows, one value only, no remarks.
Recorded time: 6:54:39
